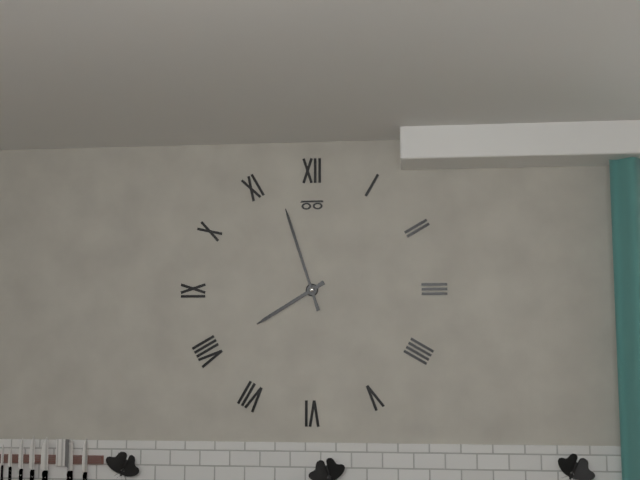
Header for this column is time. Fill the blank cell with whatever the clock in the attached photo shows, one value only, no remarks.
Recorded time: 7:57
